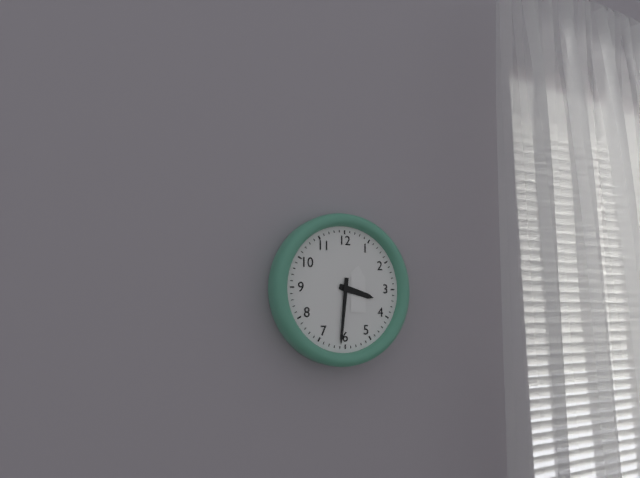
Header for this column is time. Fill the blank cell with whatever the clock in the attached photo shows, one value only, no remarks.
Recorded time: 3:31
